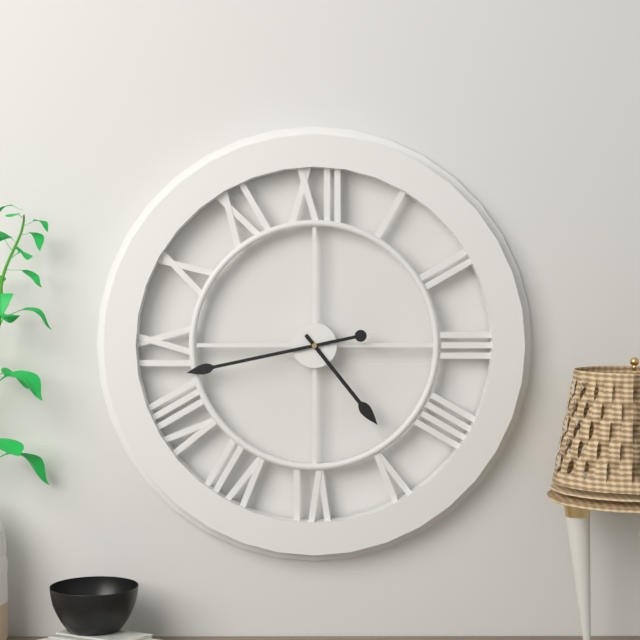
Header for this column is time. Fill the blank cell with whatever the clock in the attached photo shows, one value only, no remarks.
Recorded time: 4:43
